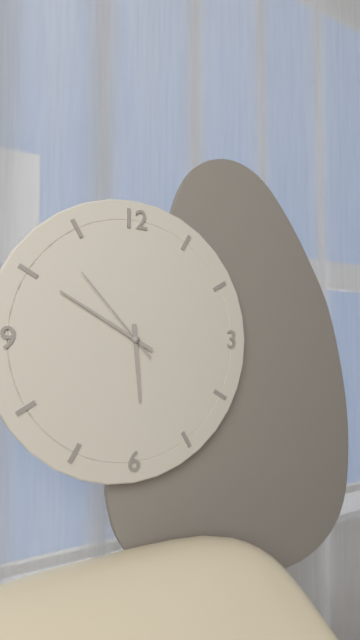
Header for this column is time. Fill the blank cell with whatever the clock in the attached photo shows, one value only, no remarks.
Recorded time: 5:50:53
